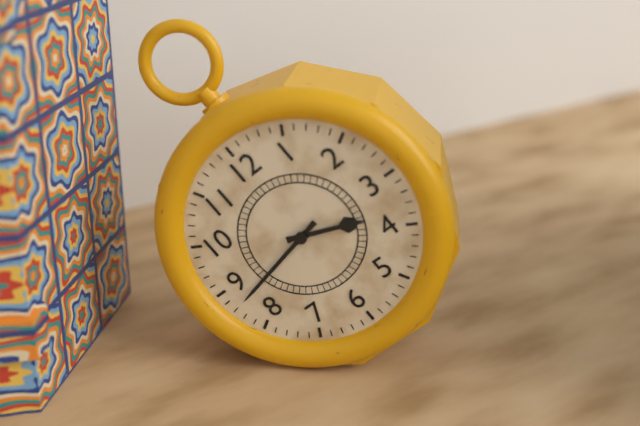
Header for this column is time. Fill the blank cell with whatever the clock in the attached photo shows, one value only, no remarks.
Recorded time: 3:43
